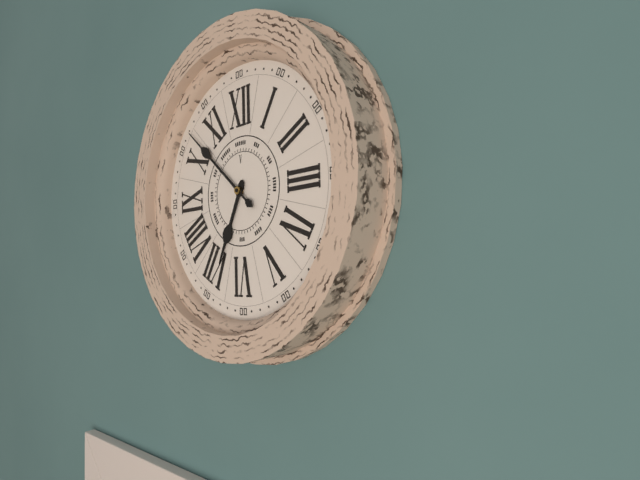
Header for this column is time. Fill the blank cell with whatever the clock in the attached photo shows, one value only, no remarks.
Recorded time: 6:52
